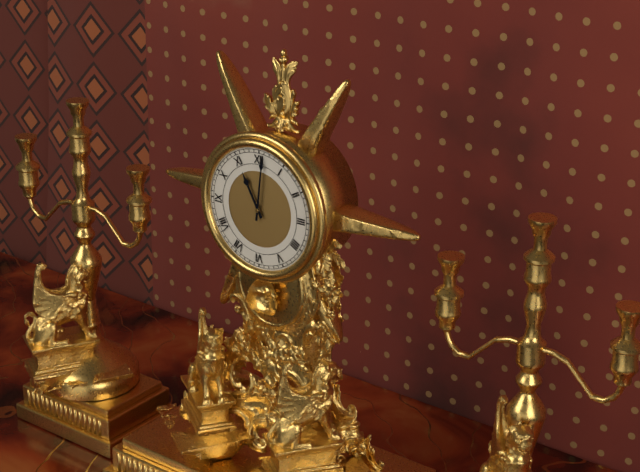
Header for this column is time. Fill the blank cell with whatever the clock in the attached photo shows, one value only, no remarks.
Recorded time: 11:01
